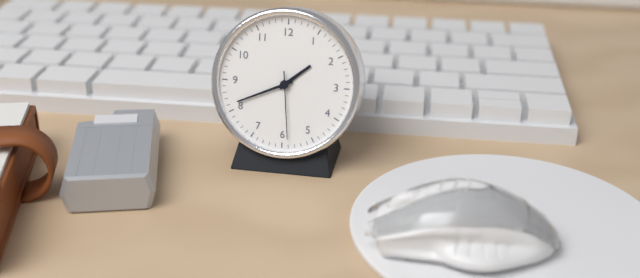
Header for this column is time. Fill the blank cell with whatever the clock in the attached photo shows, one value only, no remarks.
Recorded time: 1:41:29
